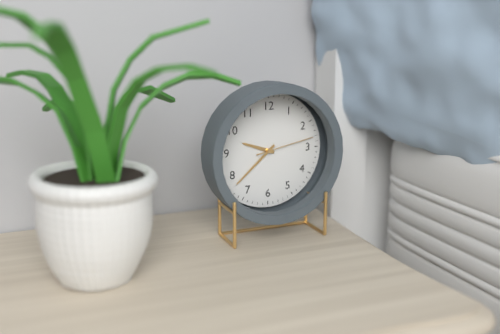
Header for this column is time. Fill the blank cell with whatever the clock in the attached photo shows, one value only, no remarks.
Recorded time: 9:38:13
